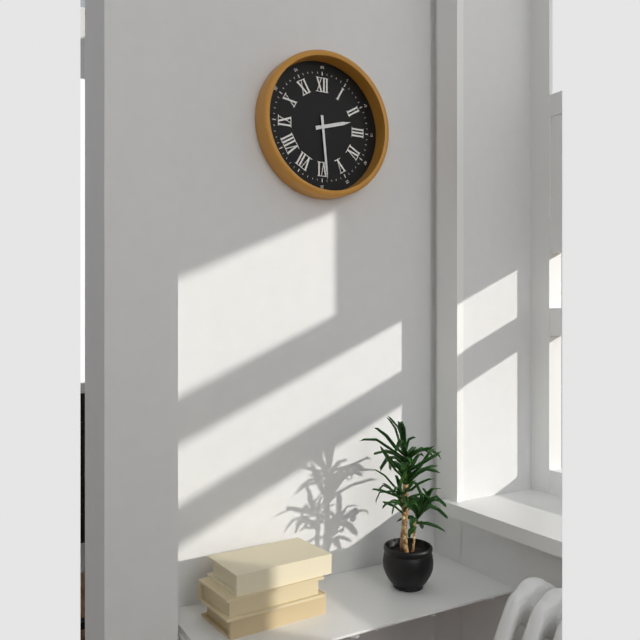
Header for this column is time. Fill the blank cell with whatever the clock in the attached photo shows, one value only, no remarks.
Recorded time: 2:29
